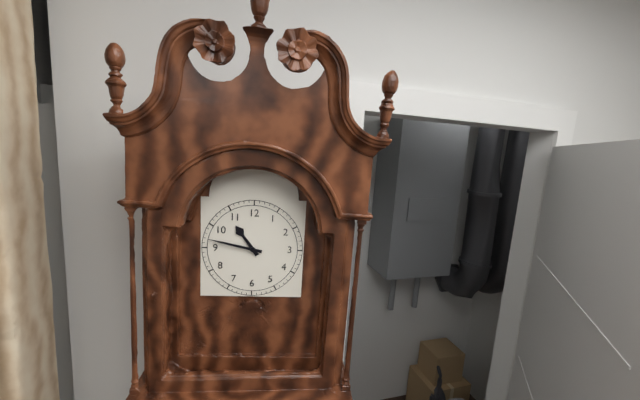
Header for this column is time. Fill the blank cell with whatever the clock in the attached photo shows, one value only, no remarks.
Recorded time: 10:47
